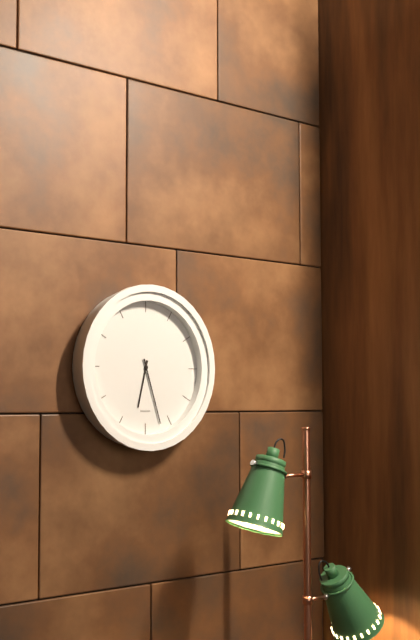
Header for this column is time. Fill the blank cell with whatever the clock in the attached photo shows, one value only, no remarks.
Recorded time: 6:27
